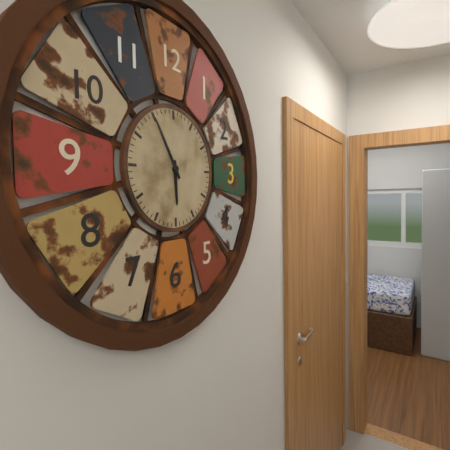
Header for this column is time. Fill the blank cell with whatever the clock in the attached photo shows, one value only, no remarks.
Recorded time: 5:55
